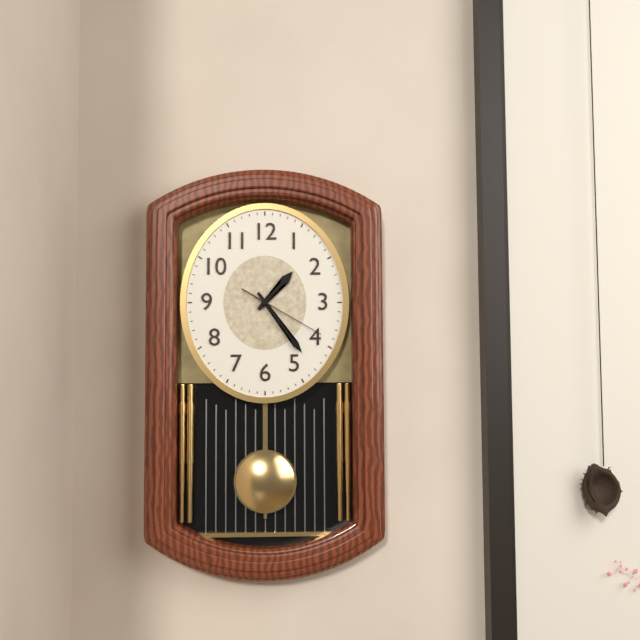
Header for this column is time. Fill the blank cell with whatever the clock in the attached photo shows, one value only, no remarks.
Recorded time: 1:24:20
